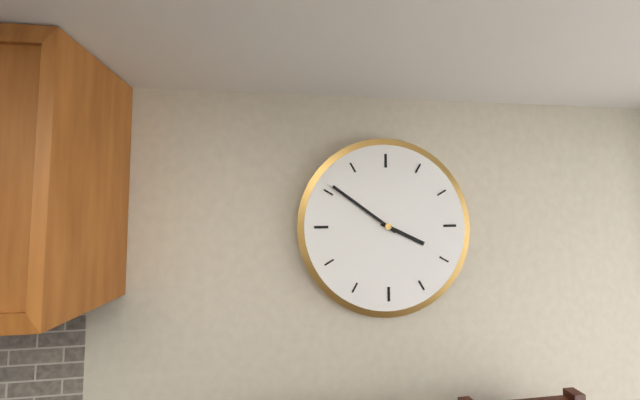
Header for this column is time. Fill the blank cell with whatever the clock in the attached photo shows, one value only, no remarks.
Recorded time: 3:51
